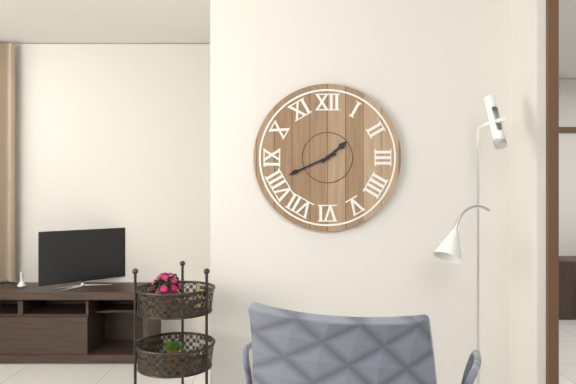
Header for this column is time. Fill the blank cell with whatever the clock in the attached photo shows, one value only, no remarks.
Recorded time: 1:41
